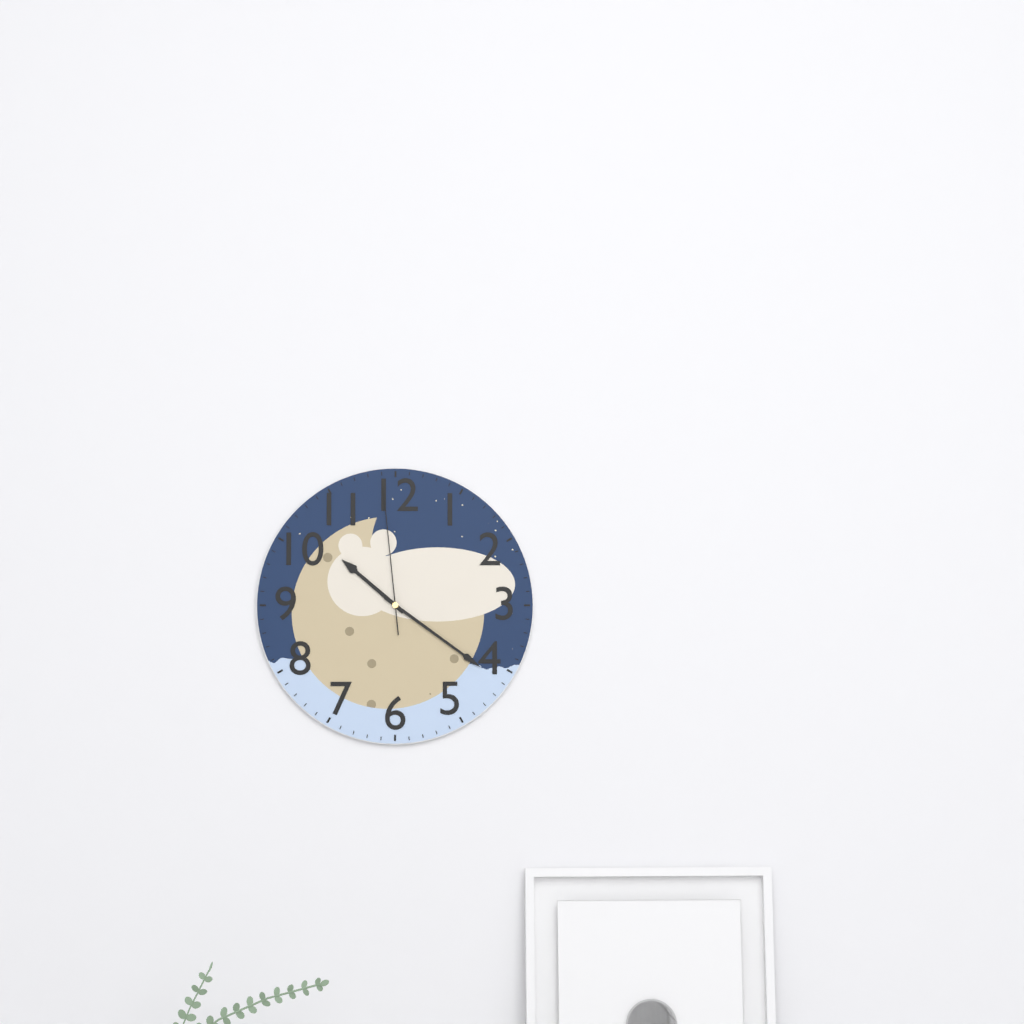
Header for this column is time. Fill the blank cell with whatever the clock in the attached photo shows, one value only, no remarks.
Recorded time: 10:21:59
